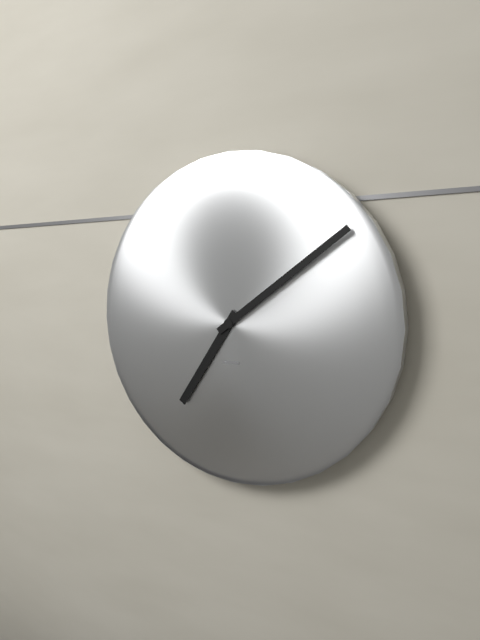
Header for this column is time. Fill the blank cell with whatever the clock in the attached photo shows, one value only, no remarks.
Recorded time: 7:09
